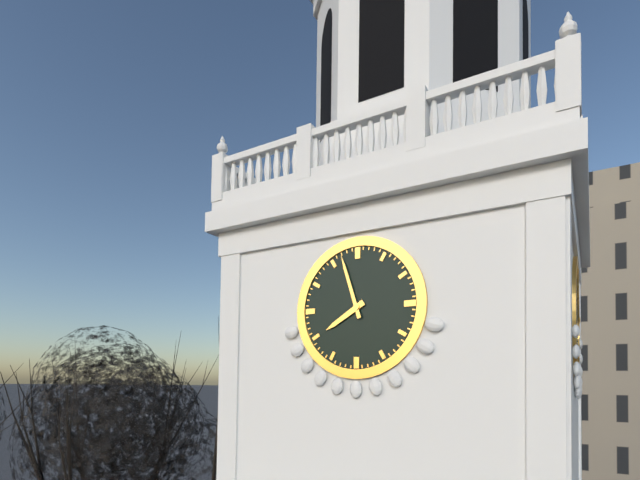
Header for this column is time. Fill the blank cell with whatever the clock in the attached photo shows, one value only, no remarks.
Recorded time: 7:57
